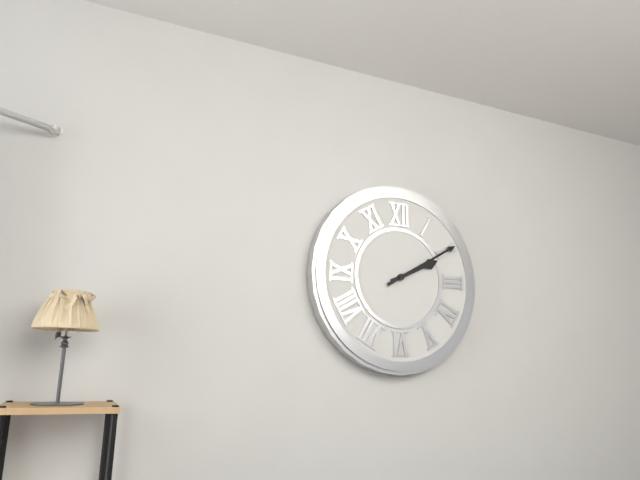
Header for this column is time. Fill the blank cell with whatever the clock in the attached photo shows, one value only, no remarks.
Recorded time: 2:10
